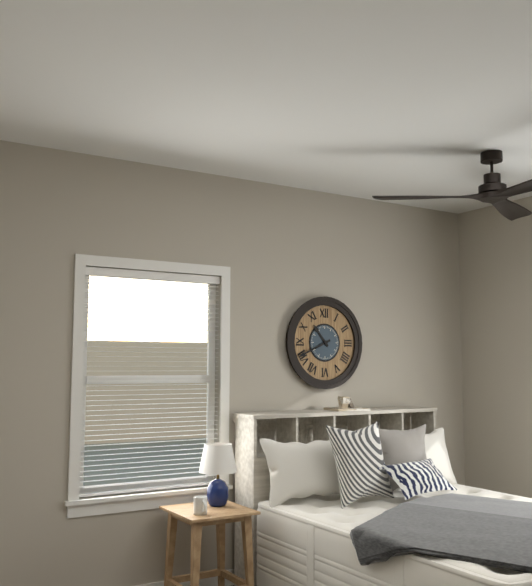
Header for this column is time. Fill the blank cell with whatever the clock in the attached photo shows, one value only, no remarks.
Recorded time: 10:41
